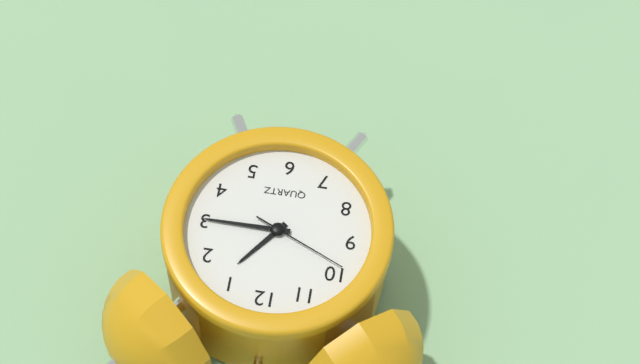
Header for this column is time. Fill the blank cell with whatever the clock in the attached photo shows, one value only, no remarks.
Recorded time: 1:15:49
